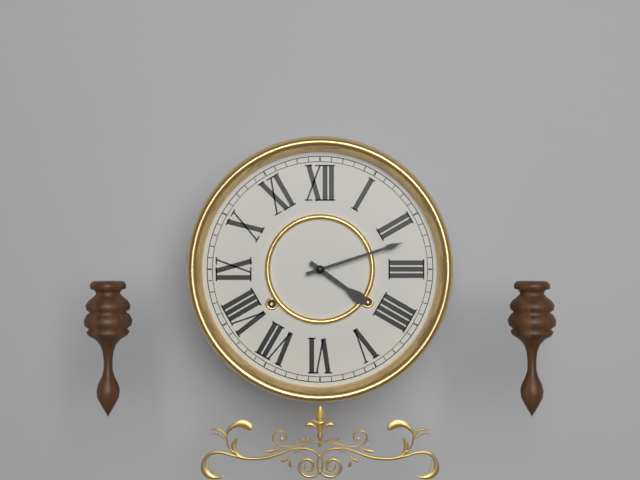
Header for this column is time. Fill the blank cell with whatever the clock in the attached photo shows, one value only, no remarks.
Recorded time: 4:12
